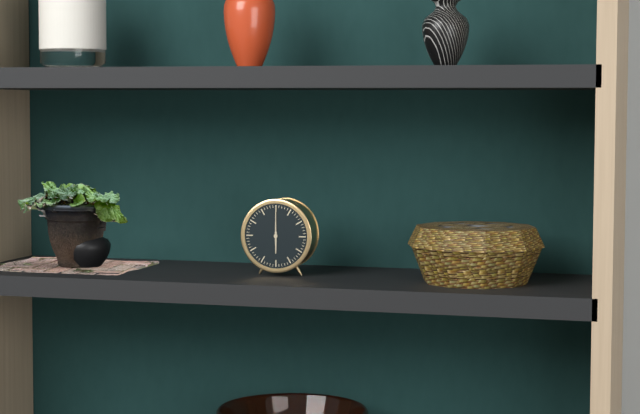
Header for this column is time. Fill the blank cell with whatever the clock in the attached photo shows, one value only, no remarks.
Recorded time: 6:00
